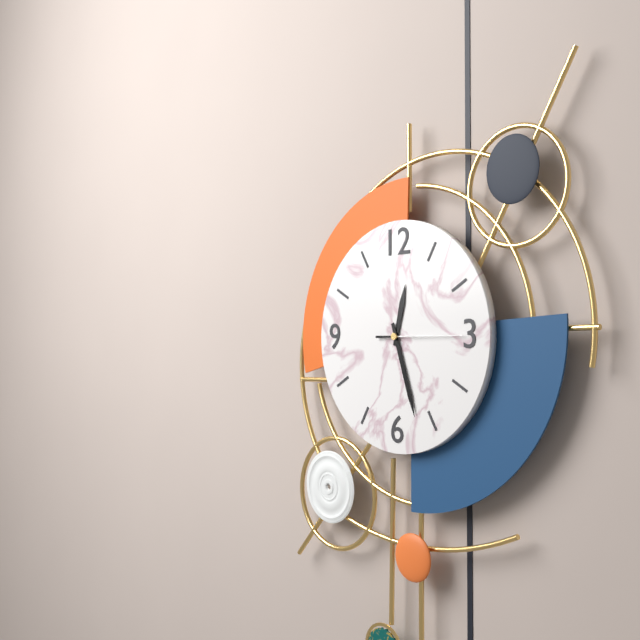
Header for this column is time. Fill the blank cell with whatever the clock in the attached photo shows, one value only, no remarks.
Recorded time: 12:27:15
